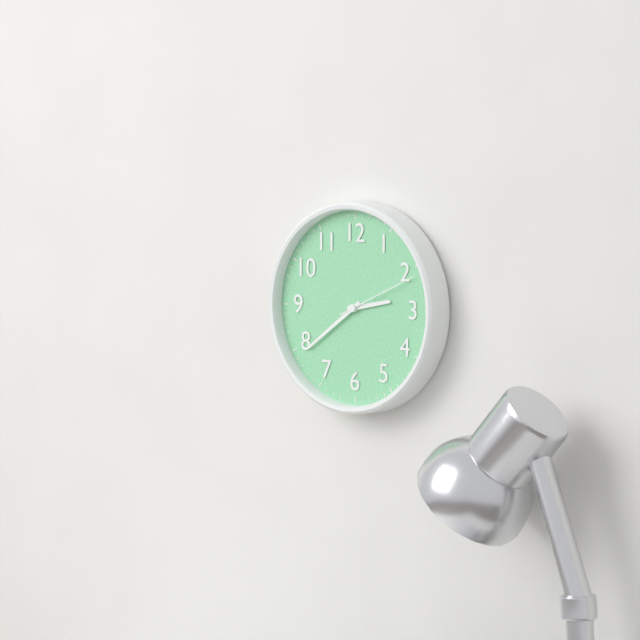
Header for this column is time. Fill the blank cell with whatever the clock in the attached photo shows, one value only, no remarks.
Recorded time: 2:39:11
